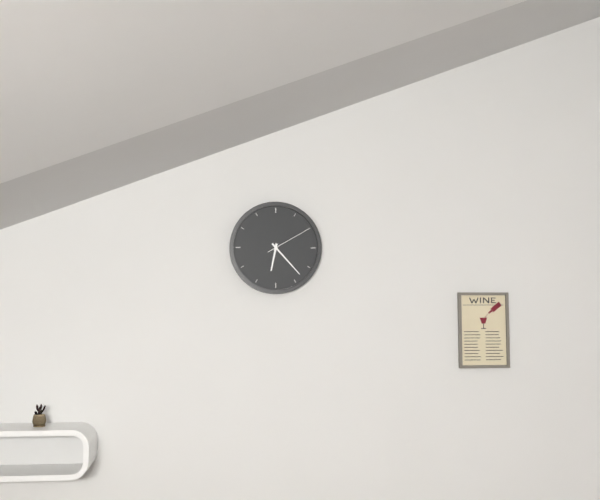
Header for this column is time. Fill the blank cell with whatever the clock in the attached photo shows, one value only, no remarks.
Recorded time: 6:23
